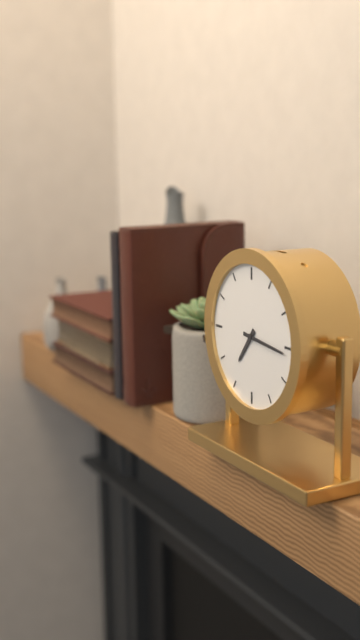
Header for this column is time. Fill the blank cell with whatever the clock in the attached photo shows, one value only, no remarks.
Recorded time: 7:16
